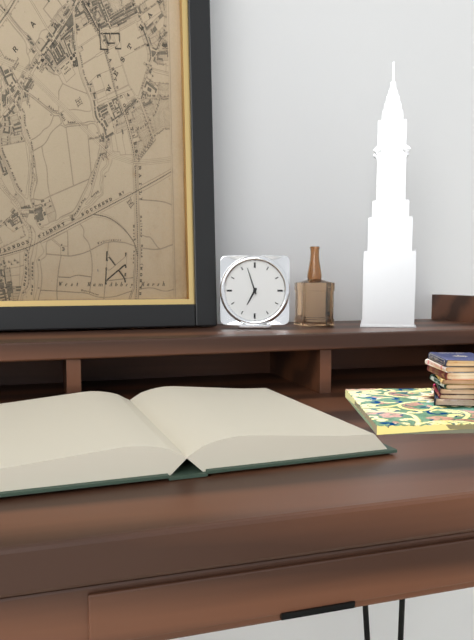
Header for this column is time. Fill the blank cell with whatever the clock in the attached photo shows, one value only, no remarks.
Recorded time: 6:57
